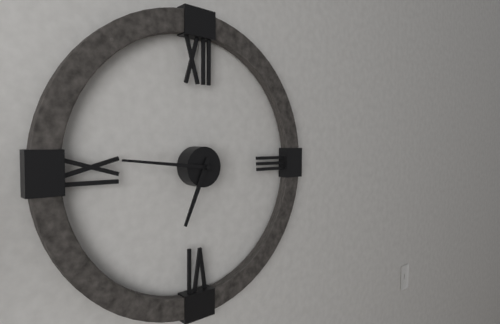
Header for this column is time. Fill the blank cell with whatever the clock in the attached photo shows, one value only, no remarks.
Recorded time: 6:46
